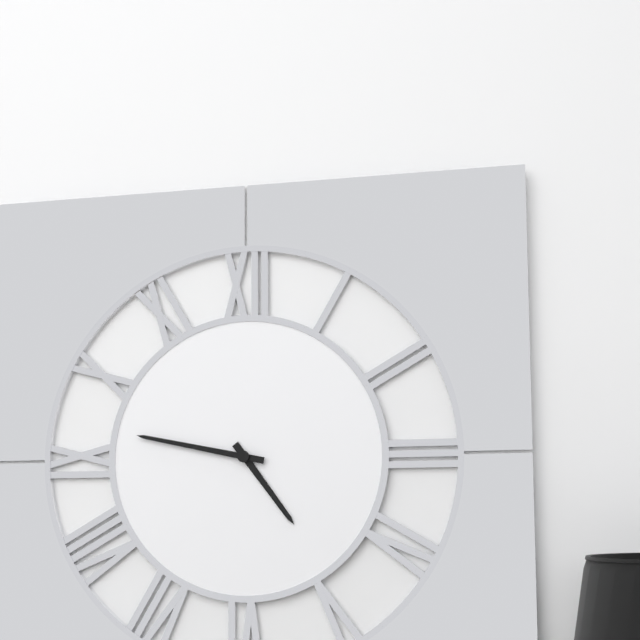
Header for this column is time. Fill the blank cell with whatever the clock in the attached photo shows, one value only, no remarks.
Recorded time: 4:47
